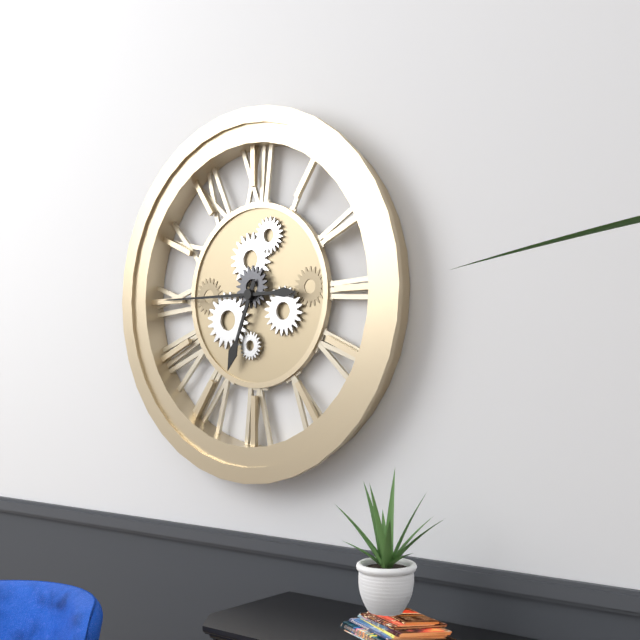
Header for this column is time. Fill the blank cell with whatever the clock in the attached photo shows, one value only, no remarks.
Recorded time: 6:45
